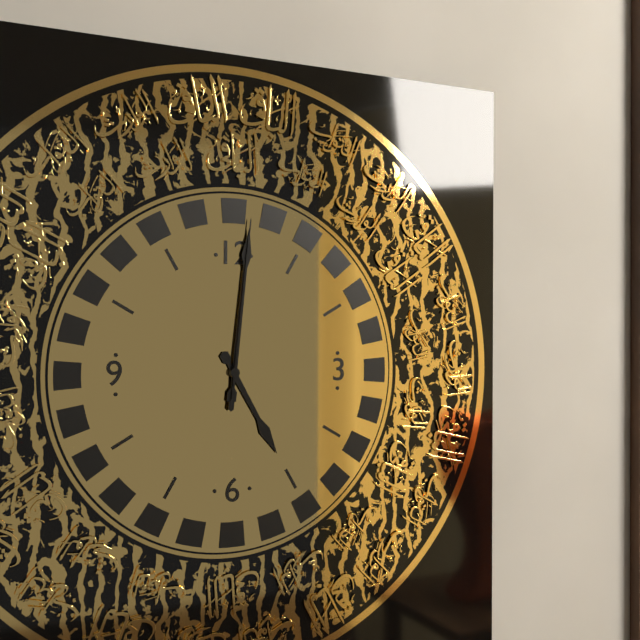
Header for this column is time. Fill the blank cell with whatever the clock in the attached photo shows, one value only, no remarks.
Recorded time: 5:01:01
